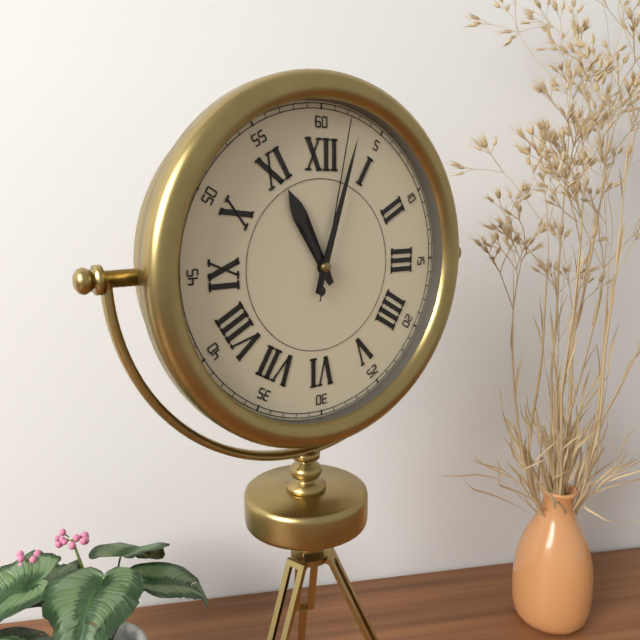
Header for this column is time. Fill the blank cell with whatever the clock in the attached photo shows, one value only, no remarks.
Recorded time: 11:03:02
